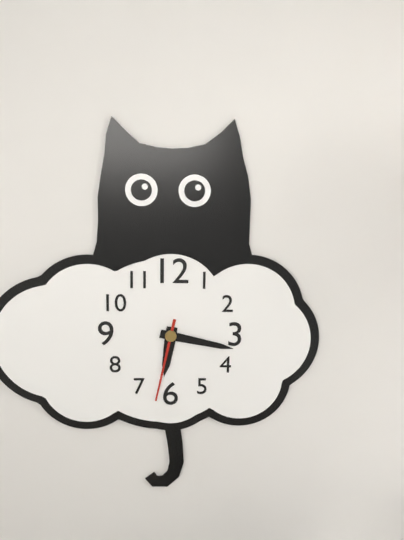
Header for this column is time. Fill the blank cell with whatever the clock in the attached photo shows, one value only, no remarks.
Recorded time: 6:17:32
